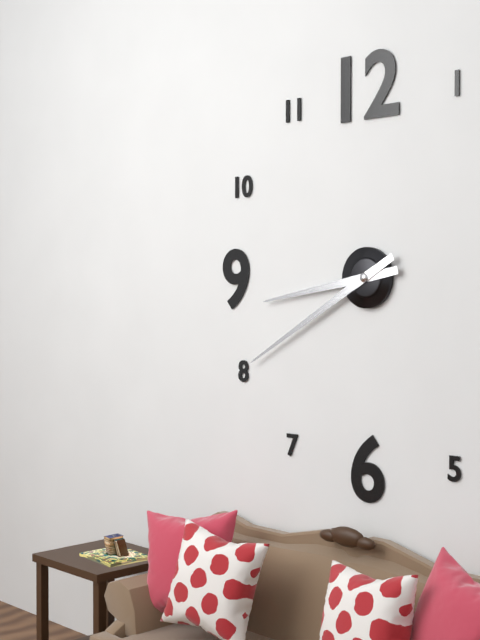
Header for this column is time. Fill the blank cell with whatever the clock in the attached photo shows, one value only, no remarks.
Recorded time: 8:40
